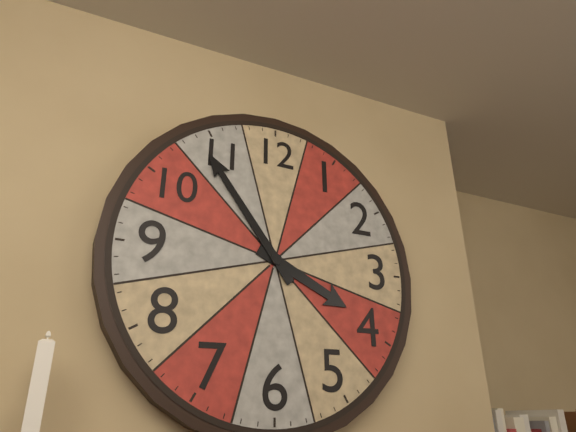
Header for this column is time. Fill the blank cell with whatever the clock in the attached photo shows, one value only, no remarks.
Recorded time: 3:54
